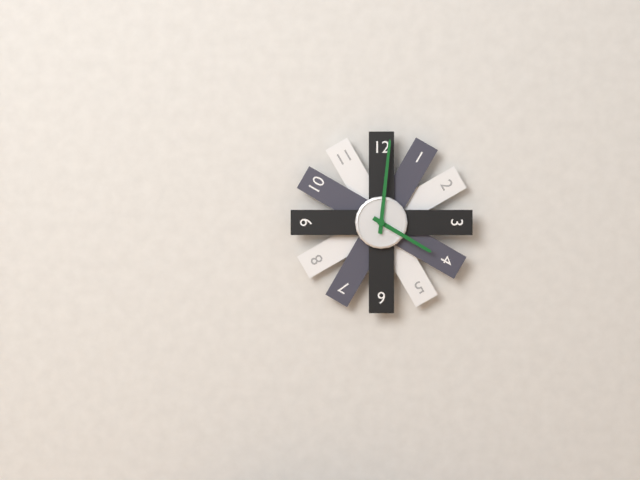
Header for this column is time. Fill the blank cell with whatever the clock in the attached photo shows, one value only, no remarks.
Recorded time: 4:01
